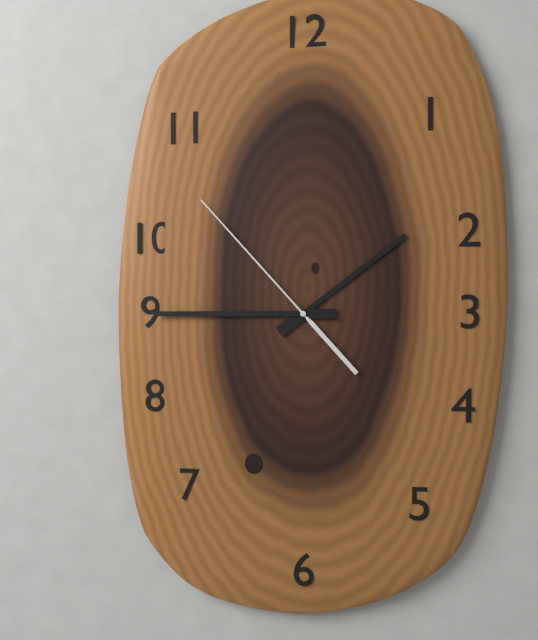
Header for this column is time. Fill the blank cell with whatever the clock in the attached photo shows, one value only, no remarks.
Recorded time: 1:45:53
